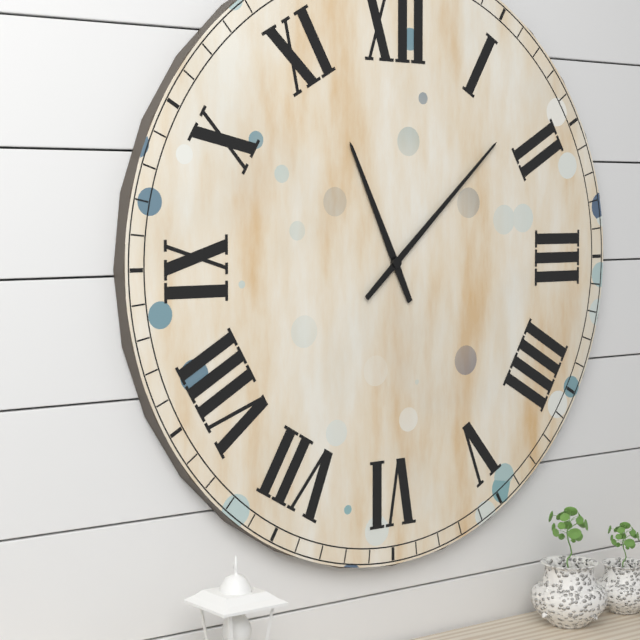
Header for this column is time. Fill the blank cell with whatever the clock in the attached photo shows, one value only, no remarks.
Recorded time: 11:08
